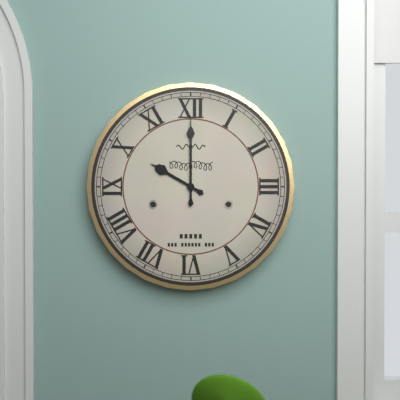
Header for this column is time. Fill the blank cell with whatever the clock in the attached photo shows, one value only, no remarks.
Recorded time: 10:00
